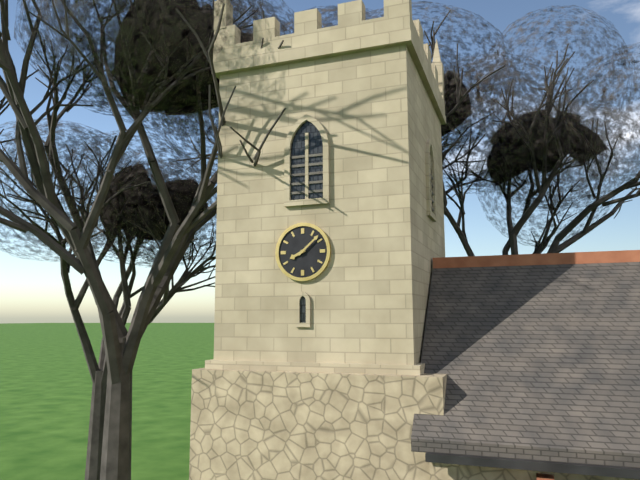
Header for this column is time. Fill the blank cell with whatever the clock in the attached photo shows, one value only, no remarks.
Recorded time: 8:08
